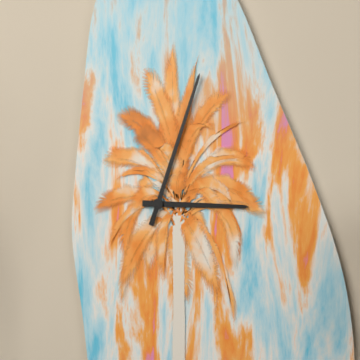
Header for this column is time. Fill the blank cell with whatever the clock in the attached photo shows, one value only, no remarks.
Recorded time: 3:03
